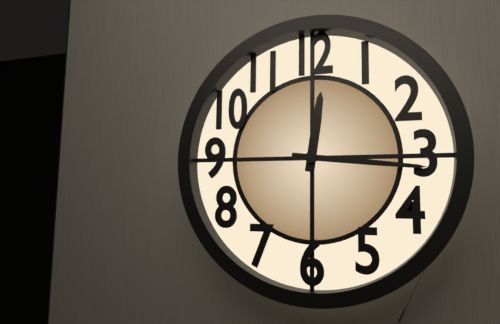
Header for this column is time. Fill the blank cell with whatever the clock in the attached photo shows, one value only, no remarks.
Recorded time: 12:16
